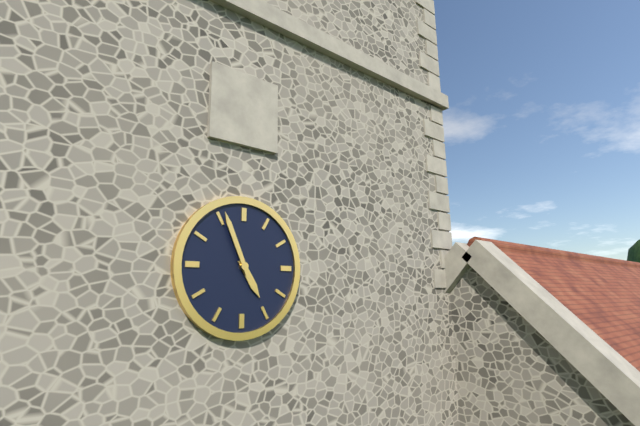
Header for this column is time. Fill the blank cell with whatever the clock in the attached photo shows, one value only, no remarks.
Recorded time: 4:56
